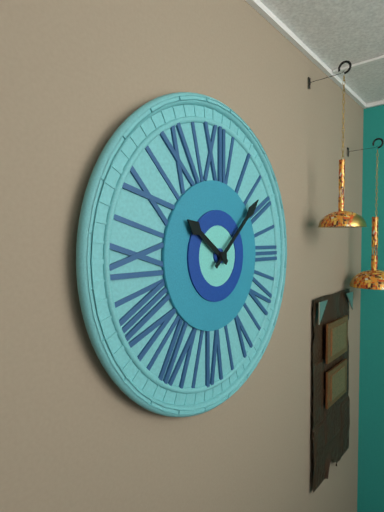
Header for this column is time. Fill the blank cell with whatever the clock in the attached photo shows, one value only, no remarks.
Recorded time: 10:08
